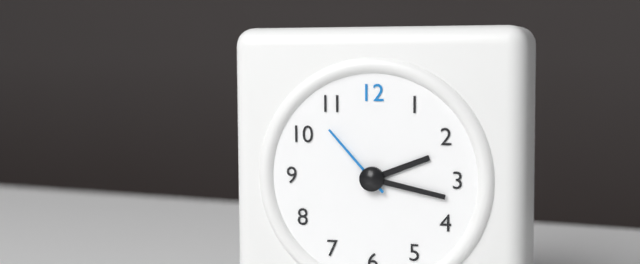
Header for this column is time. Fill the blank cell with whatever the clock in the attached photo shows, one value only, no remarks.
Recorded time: 2:17:53
